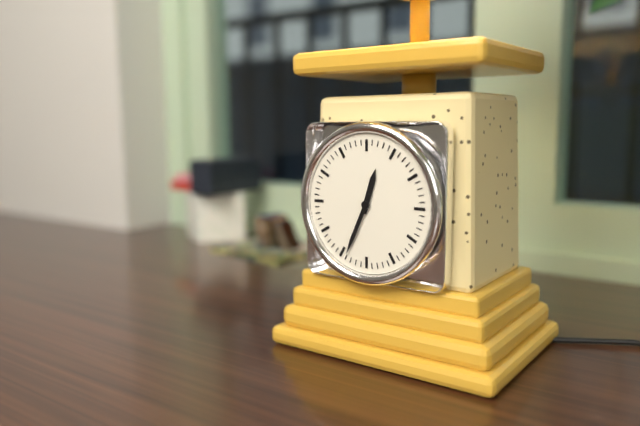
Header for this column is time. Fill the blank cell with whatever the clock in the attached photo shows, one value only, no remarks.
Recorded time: 12:34
